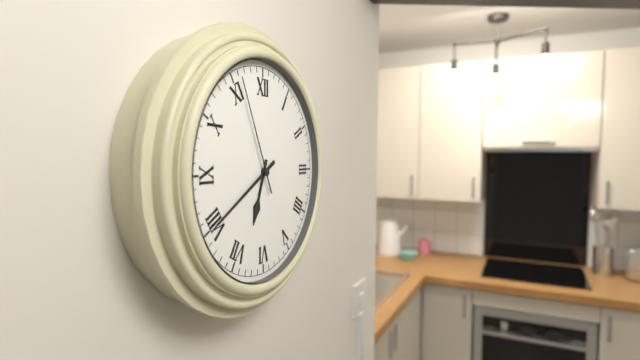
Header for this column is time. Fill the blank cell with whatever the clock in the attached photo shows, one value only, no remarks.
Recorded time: 6:40:56
